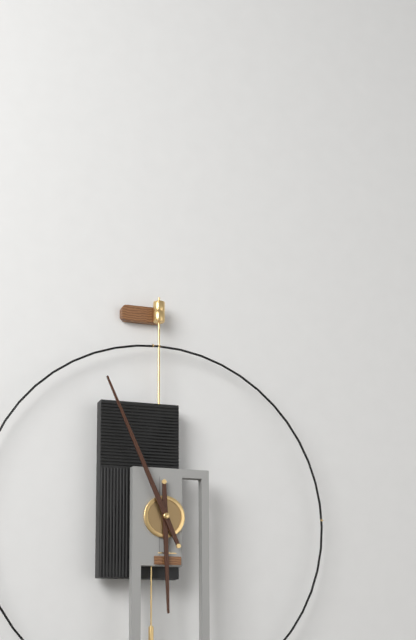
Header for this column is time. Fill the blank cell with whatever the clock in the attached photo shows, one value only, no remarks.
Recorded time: 5:56
